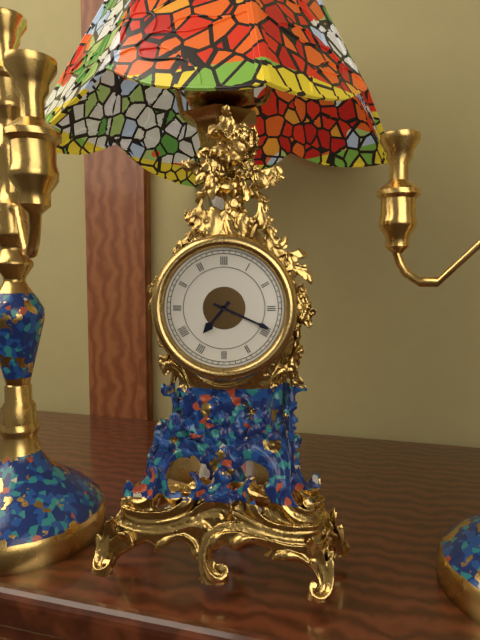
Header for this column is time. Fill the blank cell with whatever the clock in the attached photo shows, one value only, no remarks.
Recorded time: 7:19
